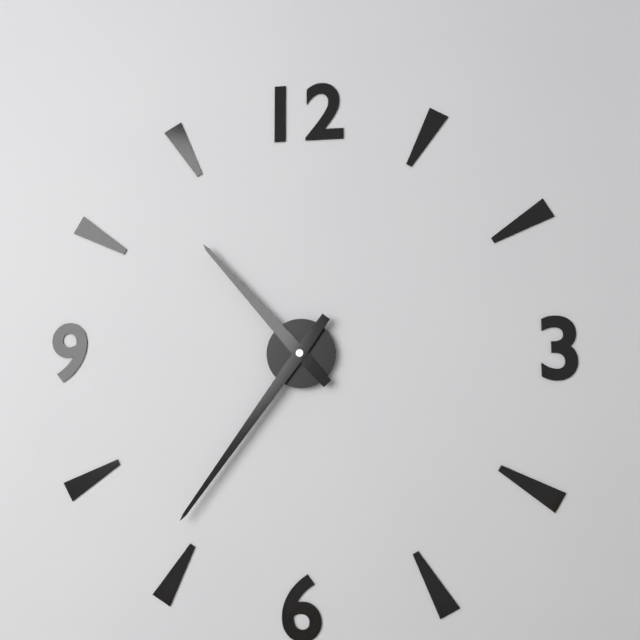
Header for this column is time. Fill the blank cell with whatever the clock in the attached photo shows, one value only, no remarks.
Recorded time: 10:36
